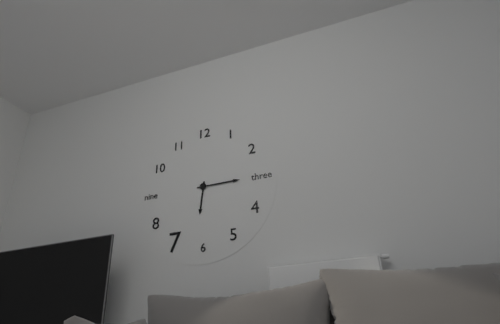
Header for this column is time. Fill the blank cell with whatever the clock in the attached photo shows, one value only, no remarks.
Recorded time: 6:15
